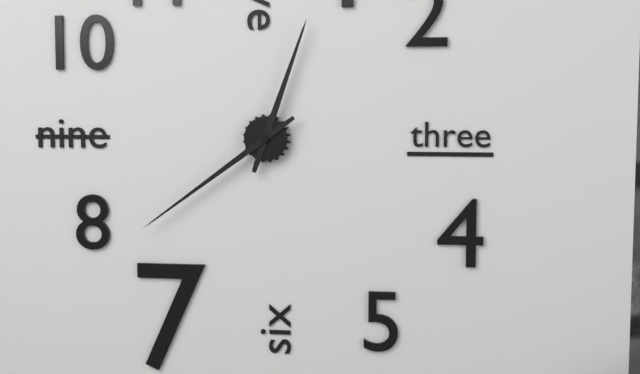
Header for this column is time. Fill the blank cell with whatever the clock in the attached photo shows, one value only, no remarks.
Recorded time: 12:39
